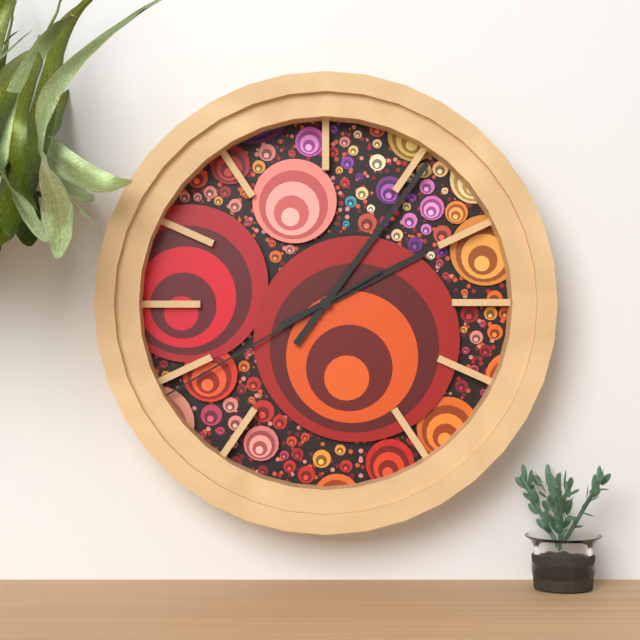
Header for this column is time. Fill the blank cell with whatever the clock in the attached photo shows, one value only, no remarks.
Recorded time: 2:06:40
